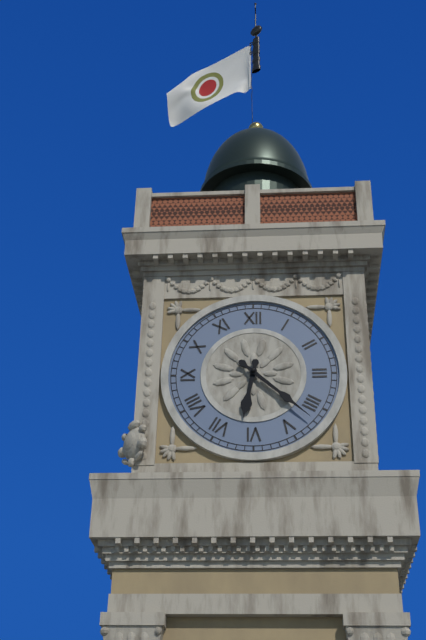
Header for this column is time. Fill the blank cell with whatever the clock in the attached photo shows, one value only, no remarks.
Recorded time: 6:22
